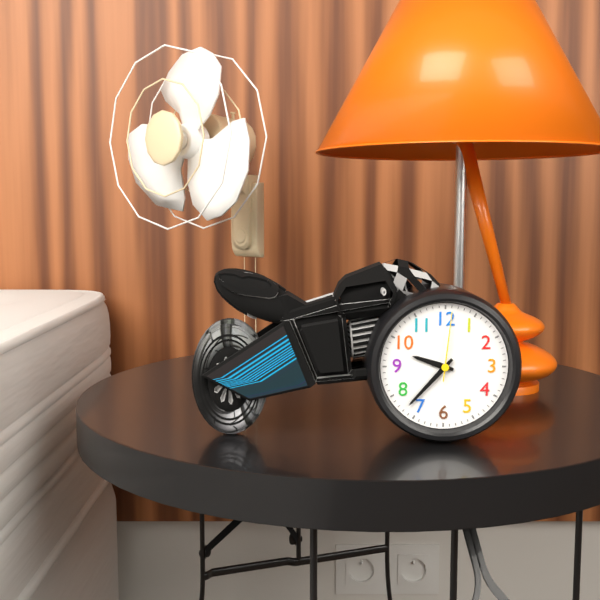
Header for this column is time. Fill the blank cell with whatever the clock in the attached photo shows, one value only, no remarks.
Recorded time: 9:37:01
